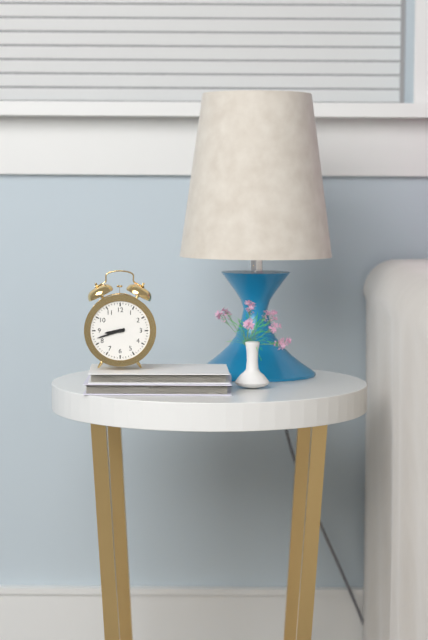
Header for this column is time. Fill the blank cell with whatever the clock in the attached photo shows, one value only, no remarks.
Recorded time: 8:42
